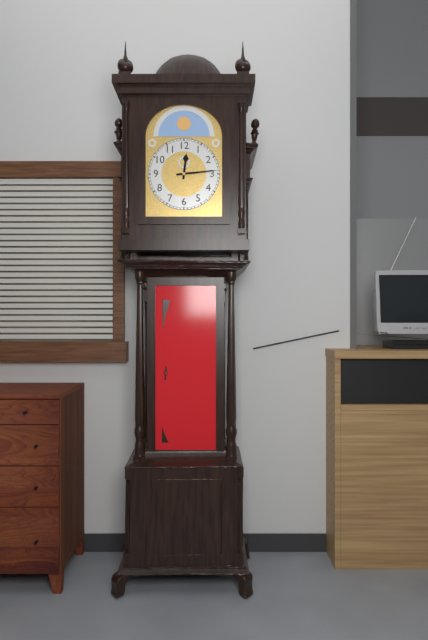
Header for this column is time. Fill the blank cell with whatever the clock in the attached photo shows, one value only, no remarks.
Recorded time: 12:14
